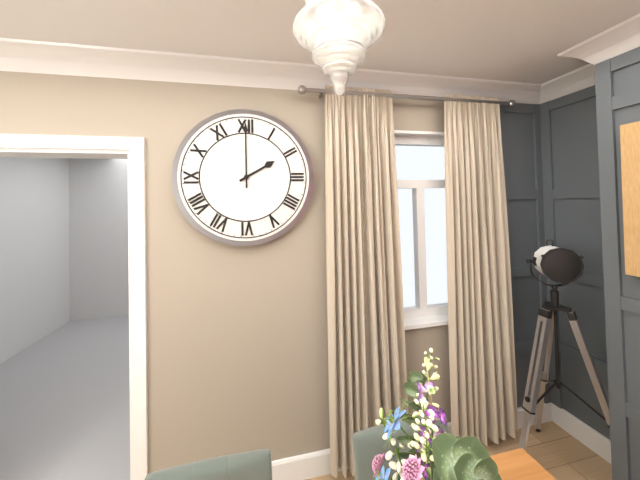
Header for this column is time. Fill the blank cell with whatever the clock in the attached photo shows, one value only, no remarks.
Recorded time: 2:00
